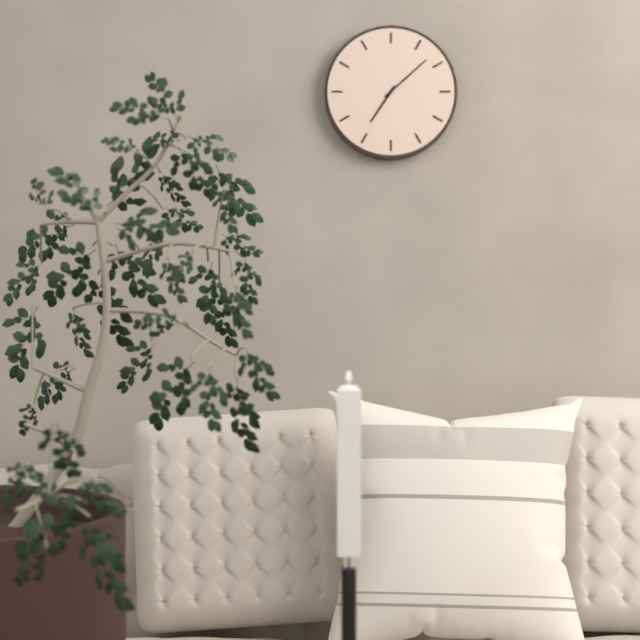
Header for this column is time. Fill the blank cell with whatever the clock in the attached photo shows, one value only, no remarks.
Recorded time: 7:08
